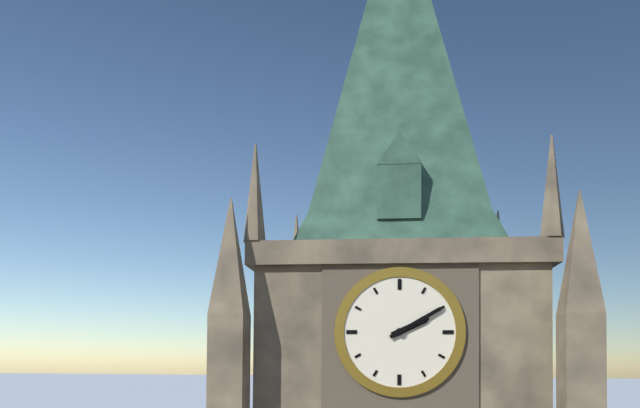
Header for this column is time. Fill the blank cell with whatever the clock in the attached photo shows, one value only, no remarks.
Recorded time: 2:10
